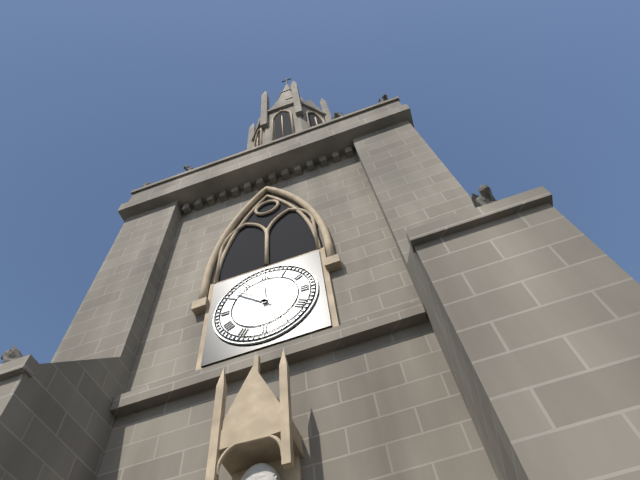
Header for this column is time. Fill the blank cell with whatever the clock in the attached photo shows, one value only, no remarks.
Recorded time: 11:52
